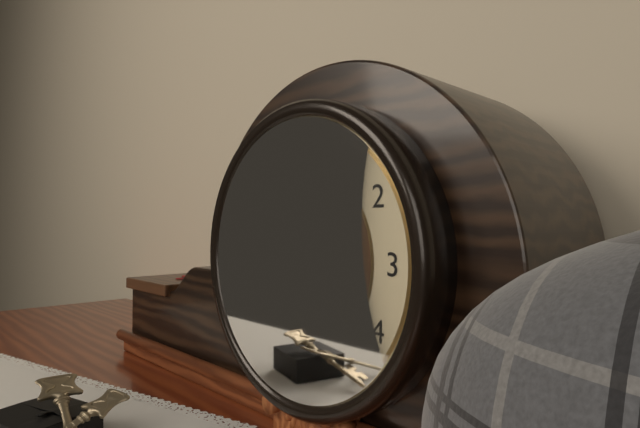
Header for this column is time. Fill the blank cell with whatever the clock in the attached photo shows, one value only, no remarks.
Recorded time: 4:00
